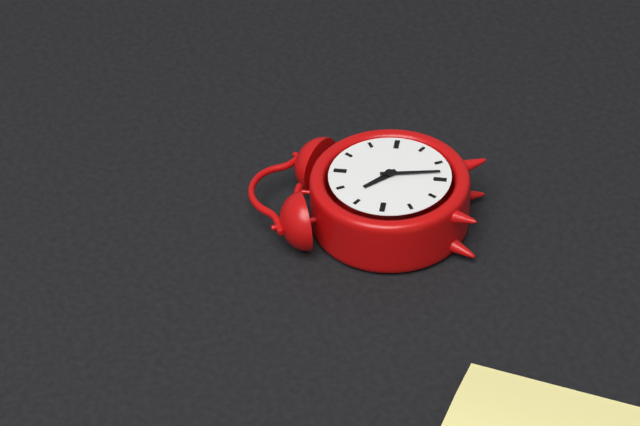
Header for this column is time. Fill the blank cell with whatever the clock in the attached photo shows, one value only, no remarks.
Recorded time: 10:28
